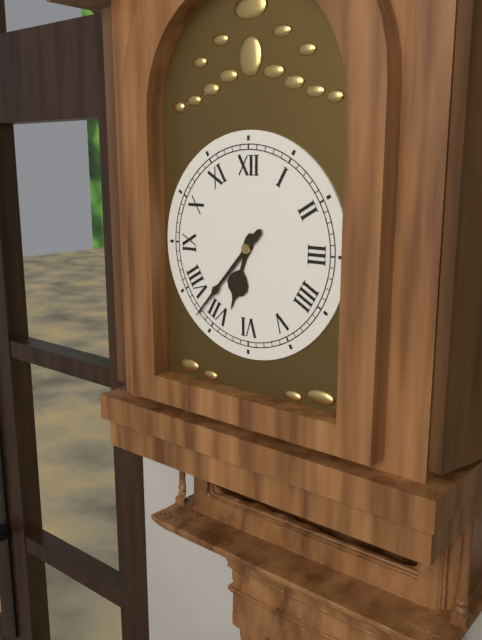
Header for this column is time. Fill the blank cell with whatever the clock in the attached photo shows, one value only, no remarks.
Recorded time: 6:37
